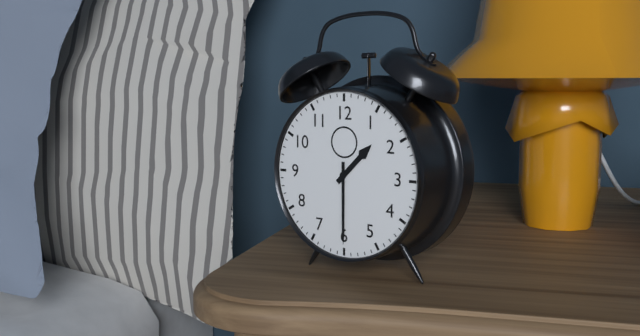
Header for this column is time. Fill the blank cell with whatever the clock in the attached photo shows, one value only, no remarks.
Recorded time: 1:30
